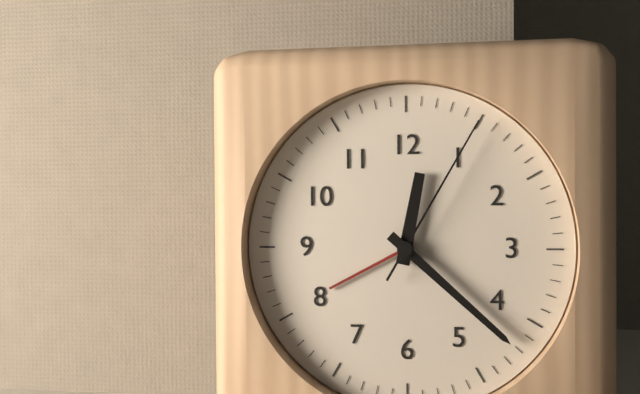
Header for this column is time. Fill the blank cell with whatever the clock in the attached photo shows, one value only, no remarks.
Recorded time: 12:22:05
